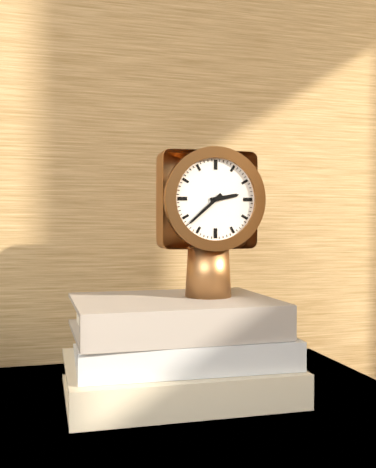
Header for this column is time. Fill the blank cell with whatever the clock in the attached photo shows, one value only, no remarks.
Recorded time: 2:38
